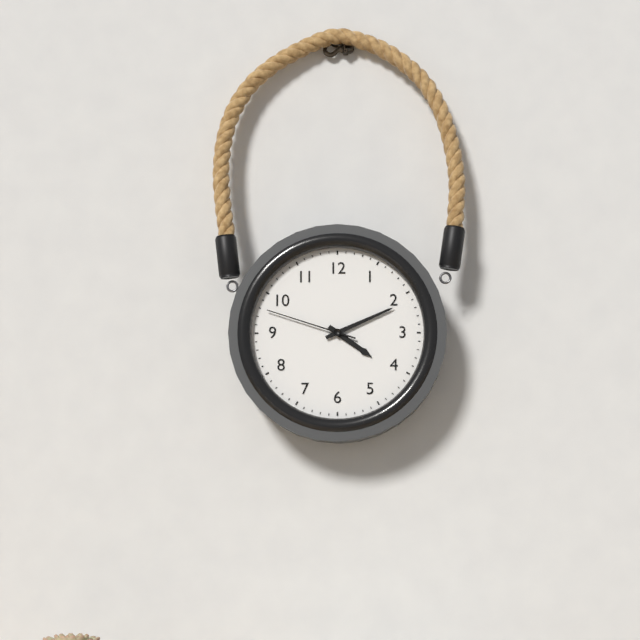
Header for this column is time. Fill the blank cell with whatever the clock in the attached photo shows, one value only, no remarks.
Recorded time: 4:11:48
